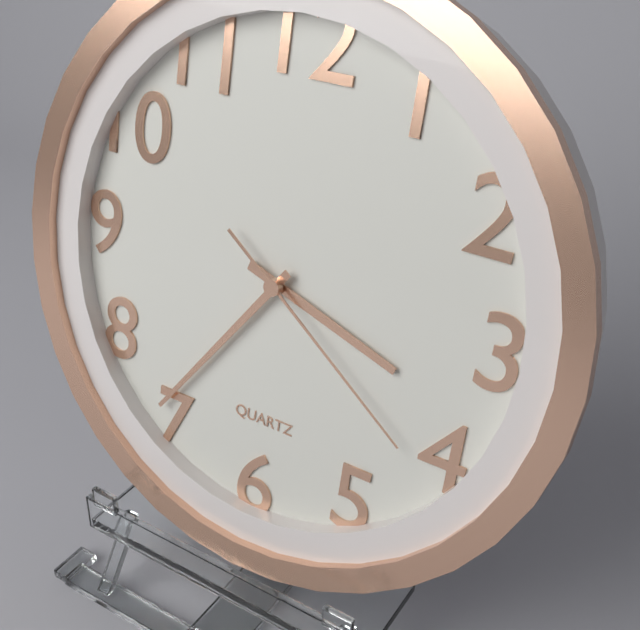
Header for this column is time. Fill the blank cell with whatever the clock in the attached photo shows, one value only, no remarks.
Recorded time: 3:36:21
